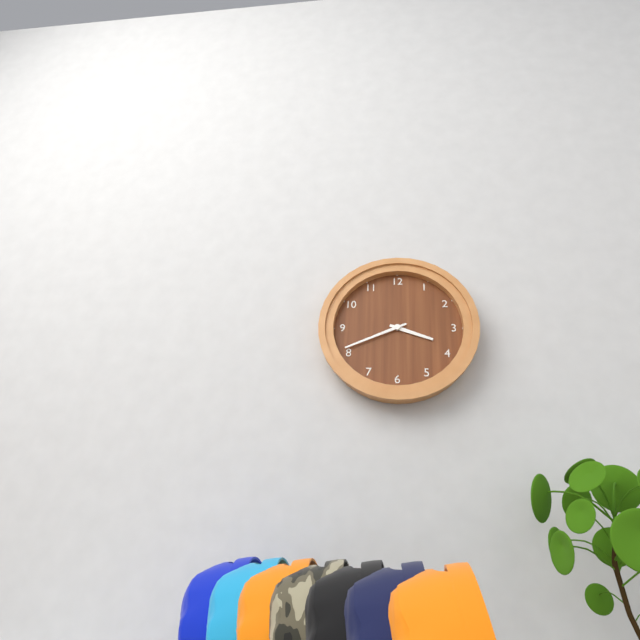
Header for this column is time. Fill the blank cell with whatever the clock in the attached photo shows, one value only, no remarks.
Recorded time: 3:41
